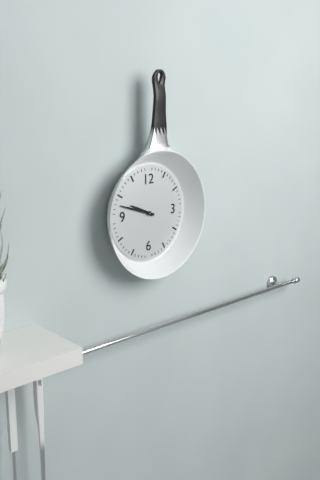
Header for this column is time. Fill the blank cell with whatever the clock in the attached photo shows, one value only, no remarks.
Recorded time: 9:48
